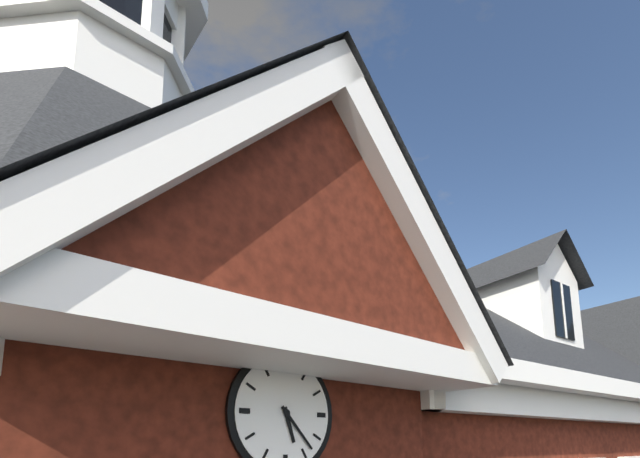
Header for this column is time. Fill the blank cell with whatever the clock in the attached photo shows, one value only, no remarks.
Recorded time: 5:23
